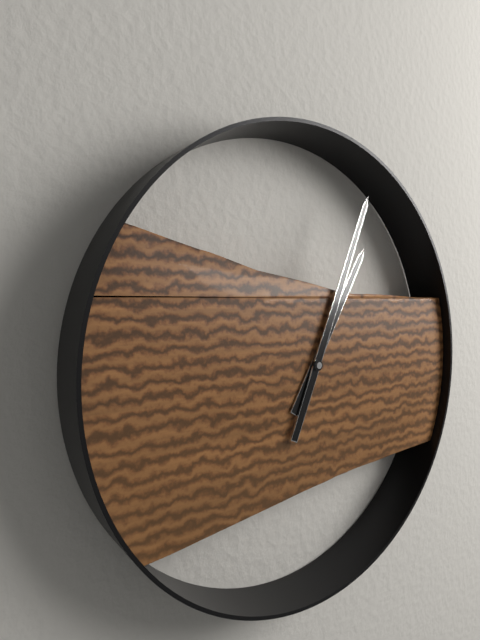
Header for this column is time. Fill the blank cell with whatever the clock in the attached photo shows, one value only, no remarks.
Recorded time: 1:04
